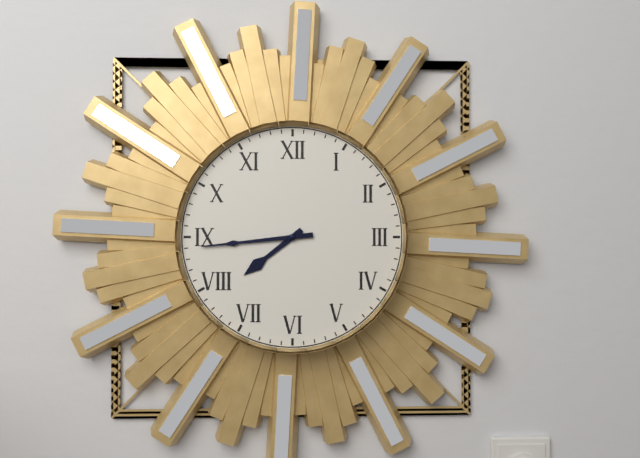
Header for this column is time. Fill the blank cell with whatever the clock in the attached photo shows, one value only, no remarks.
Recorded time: 7:44
